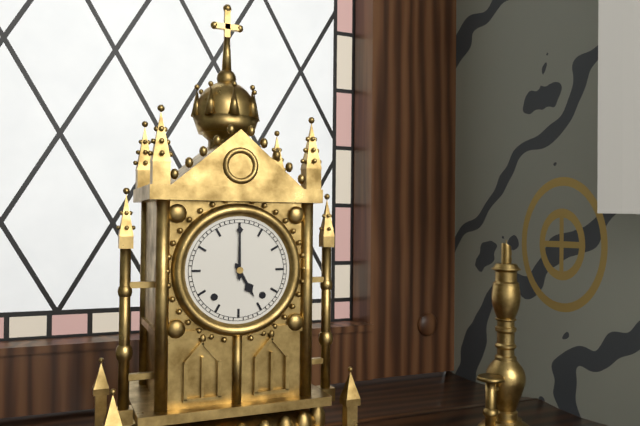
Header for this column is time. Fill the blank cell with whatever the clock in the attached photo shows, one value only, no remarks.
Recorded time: 5:00
